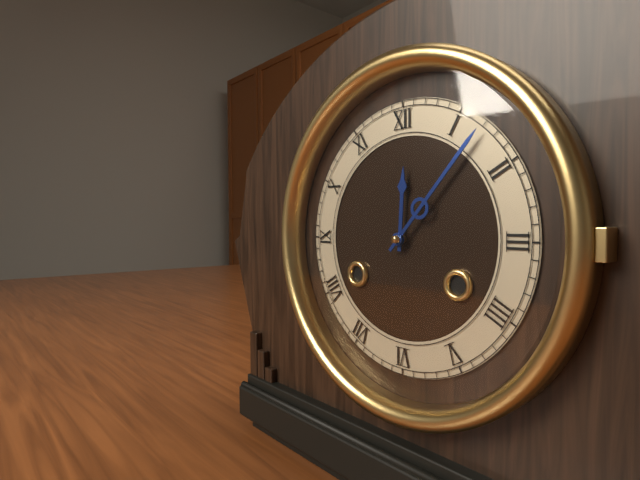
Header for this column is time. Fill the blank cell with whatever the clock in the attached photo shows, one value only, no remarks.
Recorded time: 12:07
